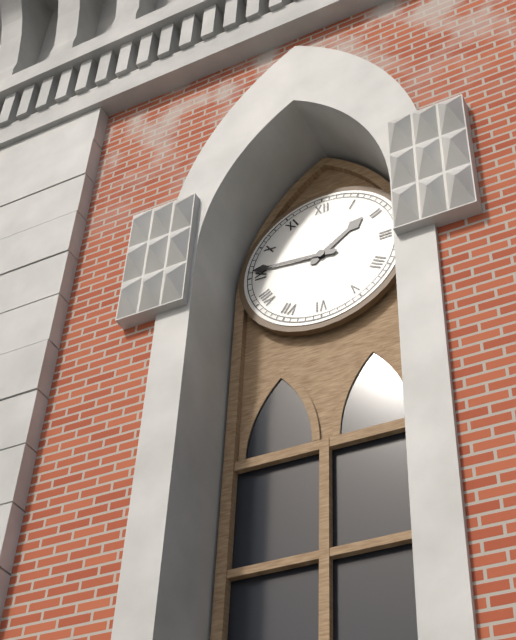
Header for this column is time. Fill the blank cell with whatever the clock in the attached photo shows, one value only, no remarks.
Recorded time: 1:46
